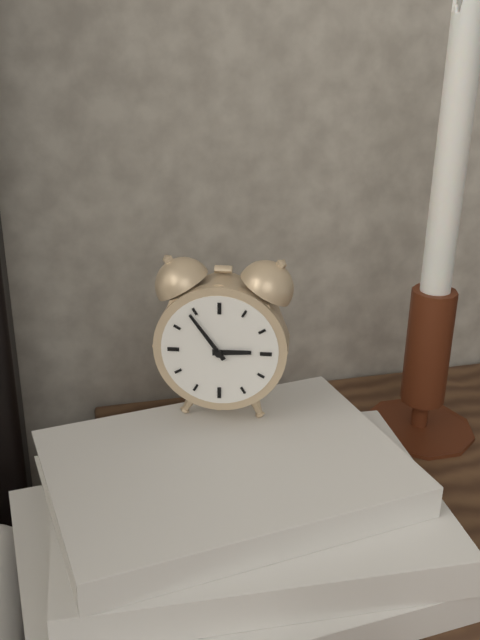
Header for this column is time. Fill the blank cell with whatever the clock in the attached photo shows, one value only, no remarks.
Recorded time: 2:54
